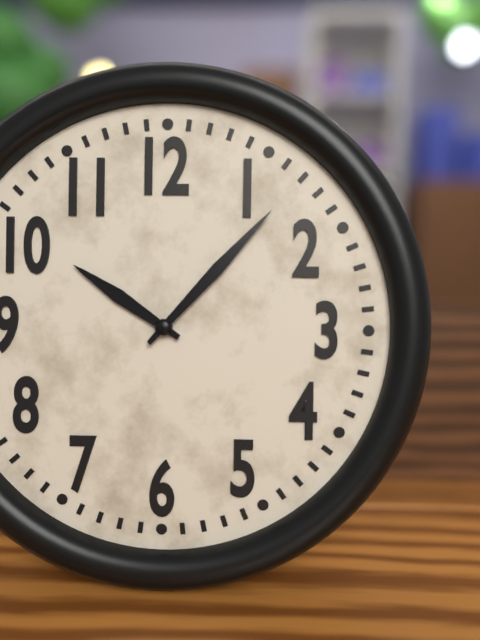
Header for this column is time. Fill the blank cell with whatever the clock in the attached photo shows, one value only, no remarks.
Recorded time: 10:07
